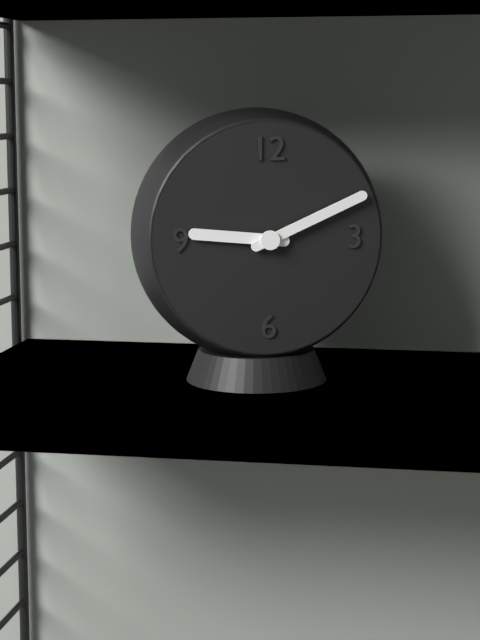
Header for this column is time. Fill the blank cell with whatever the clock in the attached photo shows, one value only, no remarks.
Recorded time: 9:11
